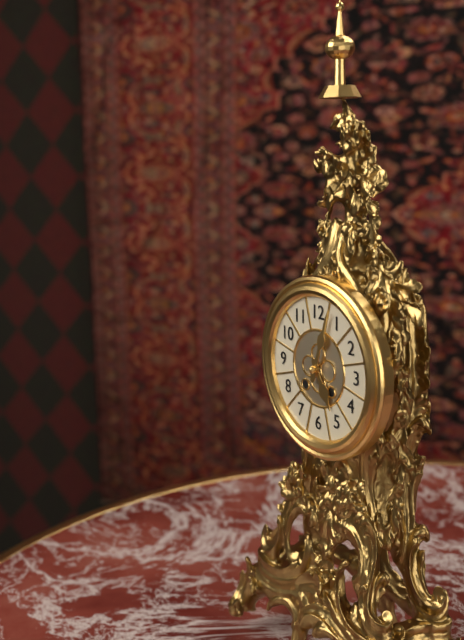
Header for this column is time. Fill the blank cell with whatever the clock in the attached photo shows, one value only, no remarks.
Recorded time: 5:03
